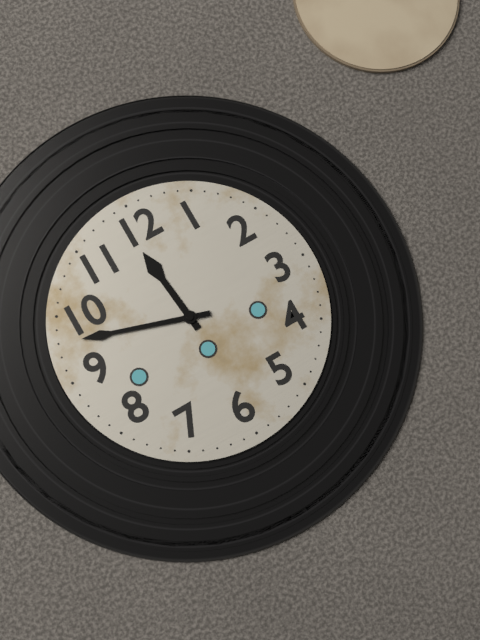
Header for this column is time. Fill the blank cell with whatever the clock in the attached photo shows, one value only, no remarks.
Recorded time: 11:48
